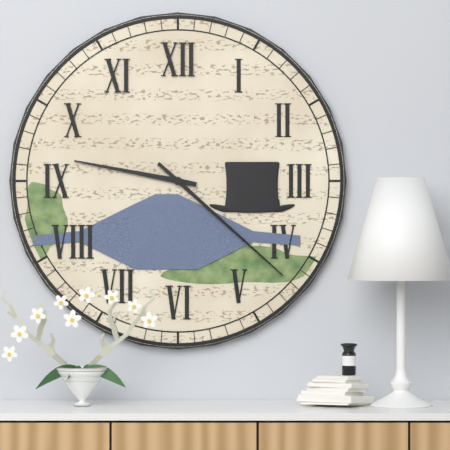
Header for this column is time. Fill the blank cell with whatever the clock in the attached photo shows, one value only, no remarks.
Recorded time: 9:22
